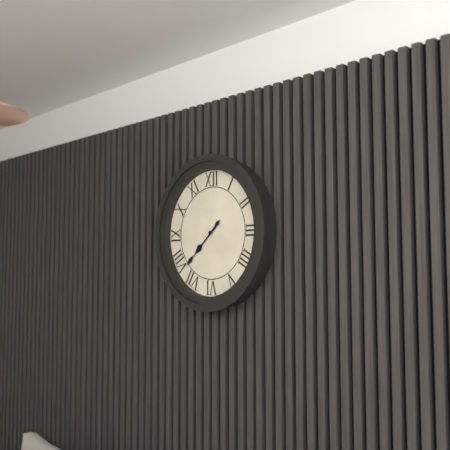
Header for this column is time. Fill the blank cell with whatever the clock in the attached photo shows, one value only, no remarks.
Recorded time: 7:38
